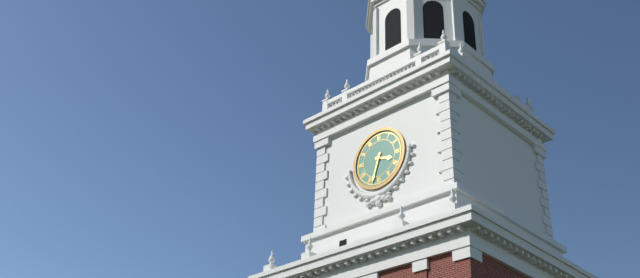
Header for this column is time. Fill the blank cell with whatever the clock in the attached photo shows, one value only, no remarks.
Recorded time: 3:33
